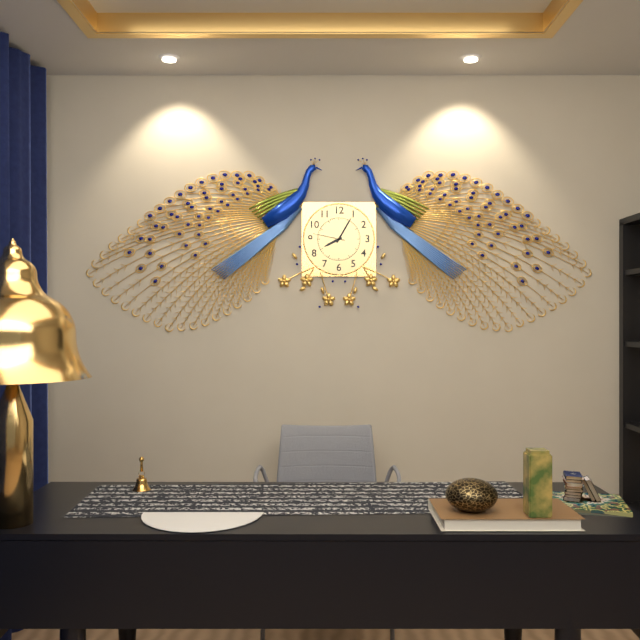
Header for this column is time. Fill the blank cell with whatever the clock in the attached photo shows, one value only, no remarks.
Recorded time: 8:05
